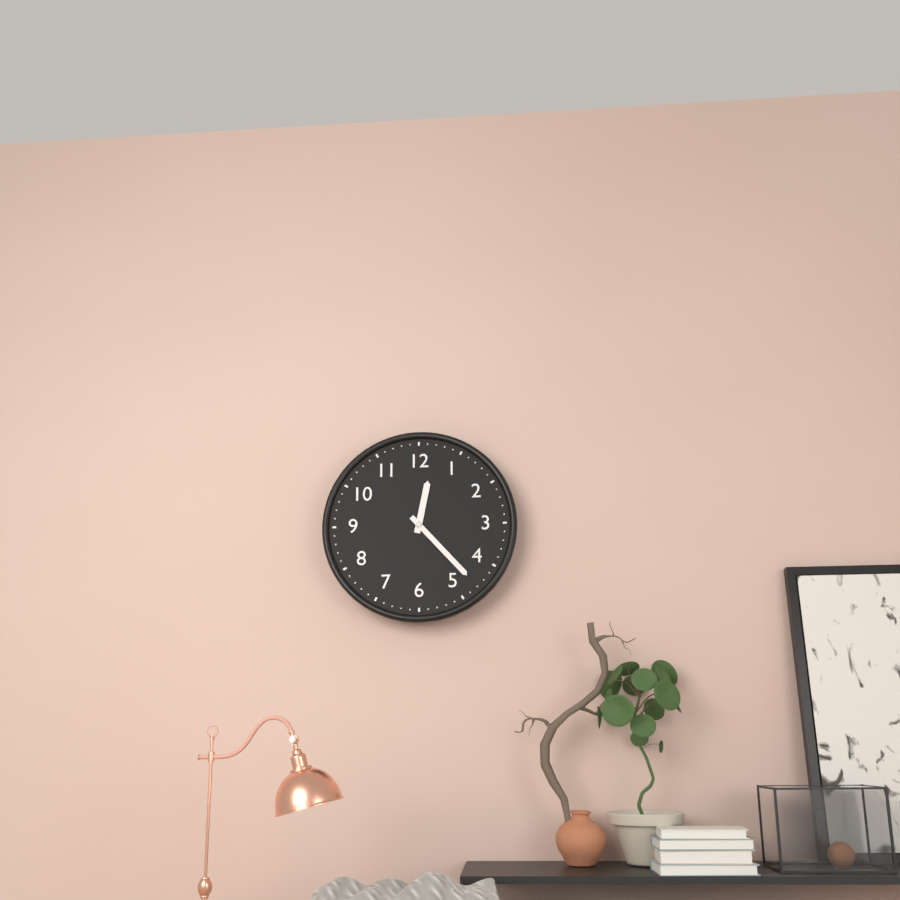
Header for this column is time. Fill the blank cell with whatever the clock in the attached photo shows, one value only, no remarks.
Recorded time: 12:23
